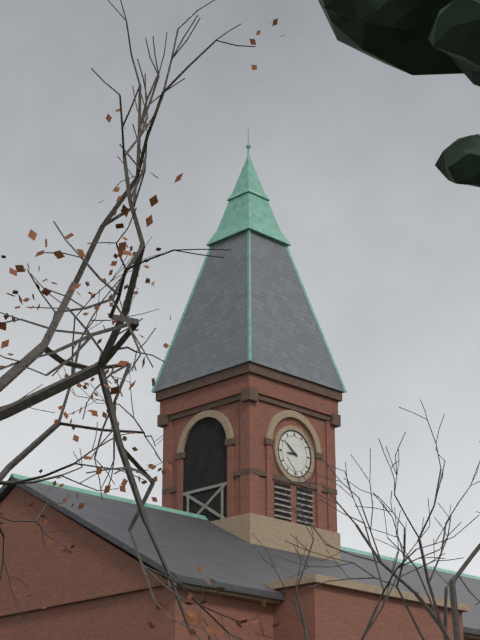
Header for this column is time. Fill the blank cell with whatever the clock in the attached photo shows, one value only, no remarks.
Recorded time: 8:51
